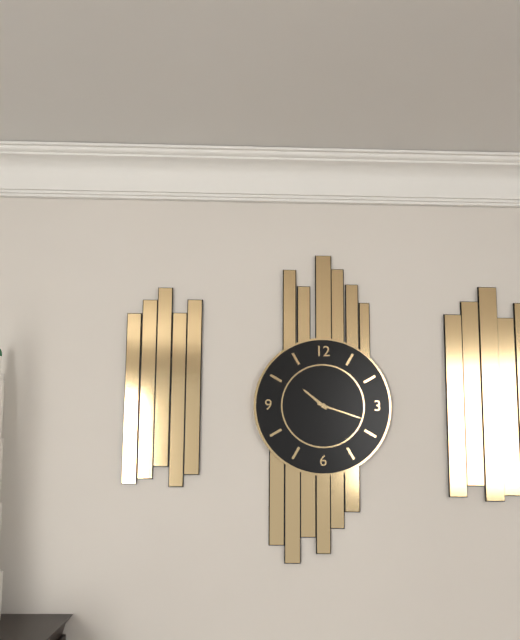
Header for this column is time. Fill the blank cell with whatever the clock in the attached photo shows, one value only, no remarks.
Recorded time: 10:18
